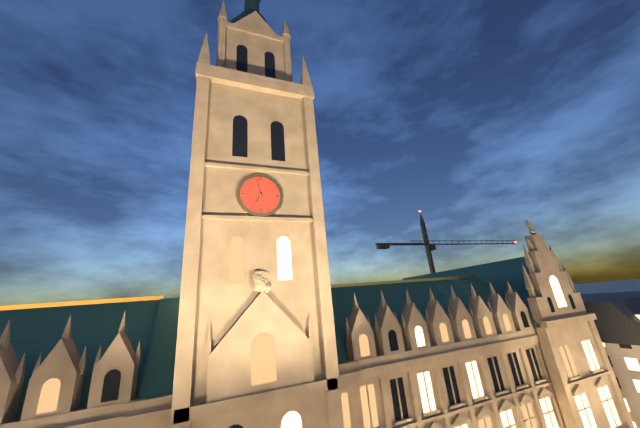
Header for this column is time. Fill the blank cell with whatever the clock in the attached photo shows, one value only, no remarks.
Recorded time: 6:58
